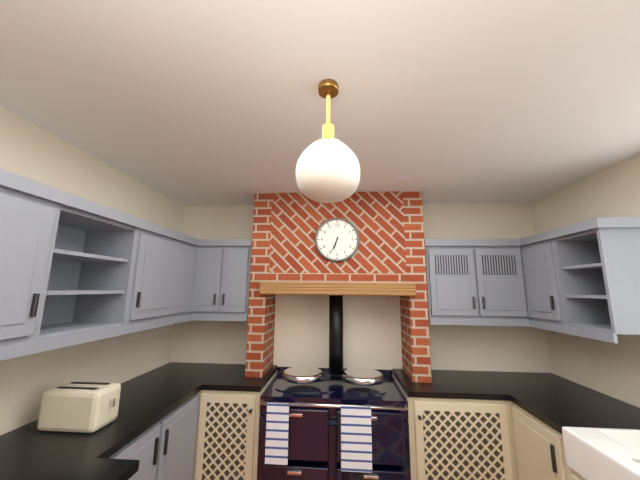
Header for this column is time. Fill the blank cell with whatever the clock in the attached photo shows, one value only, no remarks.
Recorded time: 6:34
